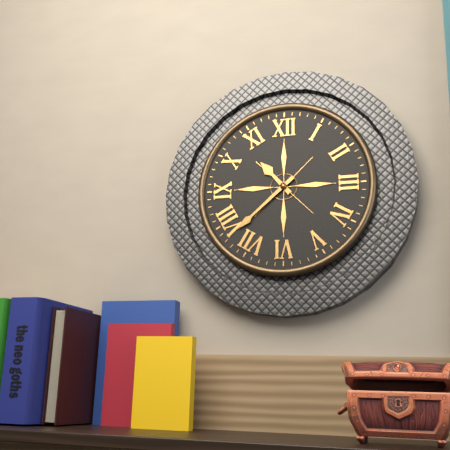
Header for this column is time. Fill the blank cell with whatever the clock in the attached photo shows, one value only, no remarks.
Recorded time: 10:38
